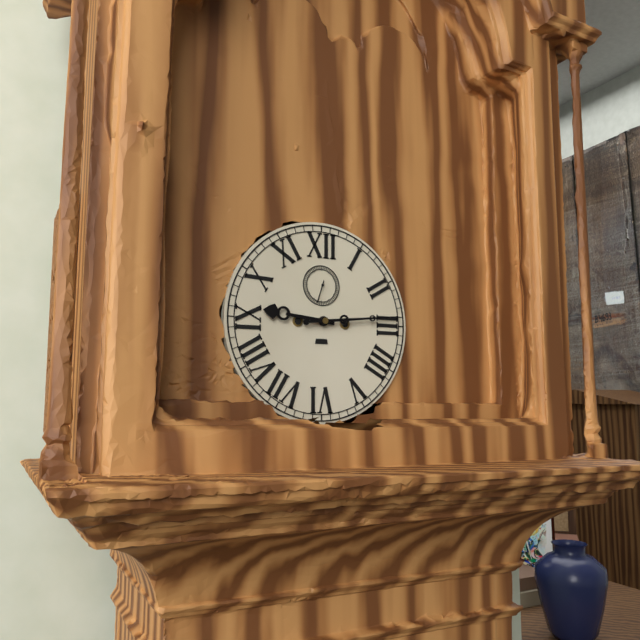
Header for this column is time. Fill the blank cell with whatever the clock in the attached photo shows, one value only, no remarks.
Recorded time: 9:14
